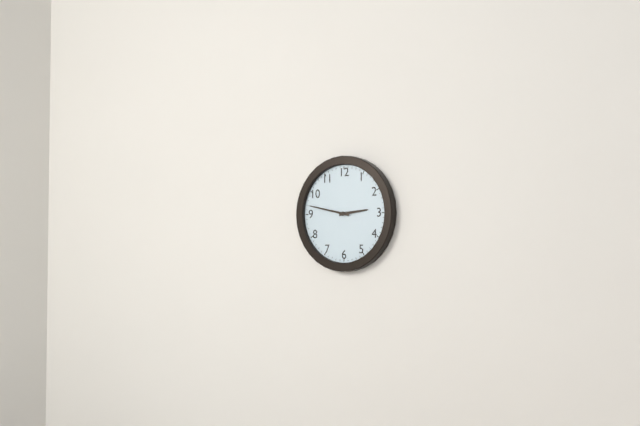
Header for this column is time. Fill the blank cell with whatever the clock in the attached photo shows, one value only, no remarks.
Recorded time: 2:47
